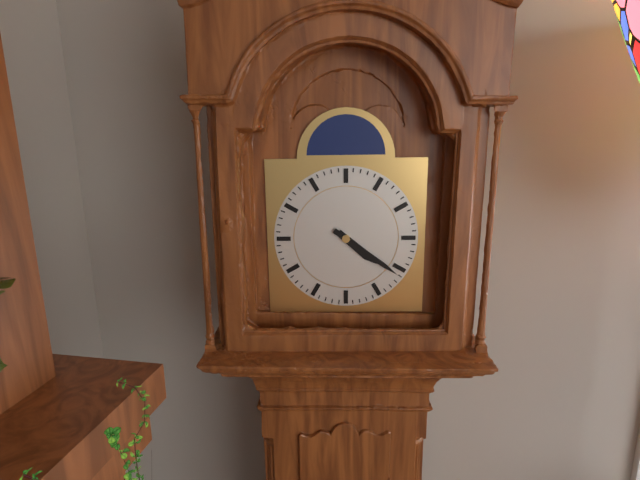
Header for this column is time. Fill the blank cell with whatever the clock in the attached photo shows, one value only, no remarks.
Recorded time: 4:21
